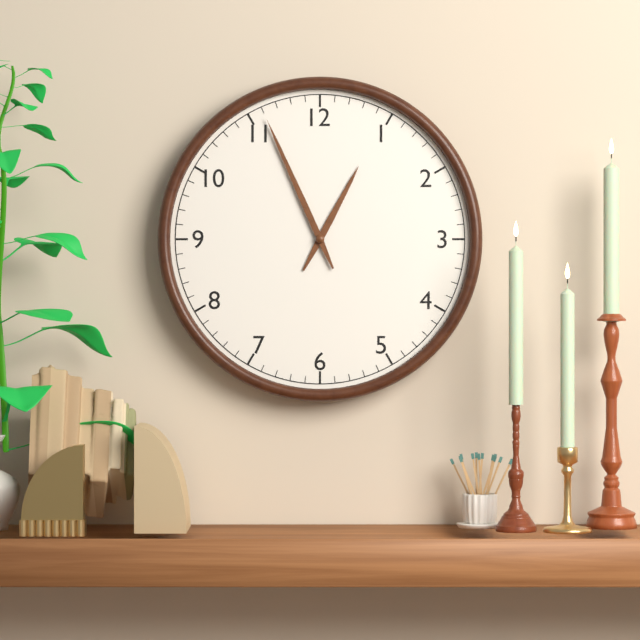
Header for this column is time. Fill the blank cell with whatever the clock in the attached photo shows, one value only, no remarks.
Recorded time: 12:56
